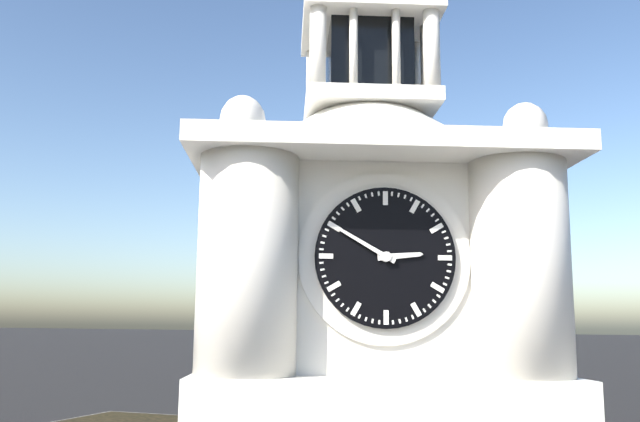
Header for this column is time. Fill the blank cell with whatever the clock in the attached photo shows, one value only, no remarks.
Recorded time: 2:50
